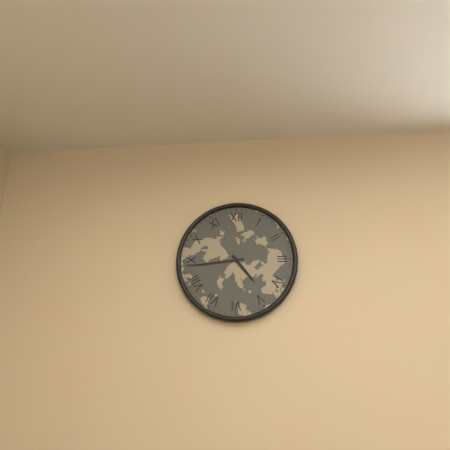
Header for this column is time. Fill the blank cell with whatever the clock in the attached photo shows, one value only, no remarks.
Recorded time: 4:44
